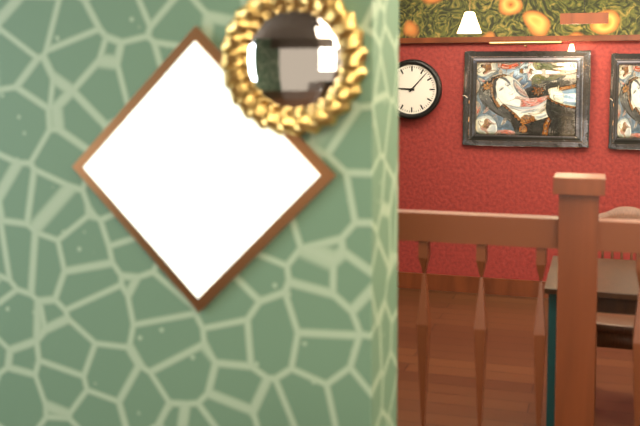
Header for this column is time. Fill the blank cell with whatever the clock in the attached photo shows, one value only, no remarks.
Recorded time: 9:07
